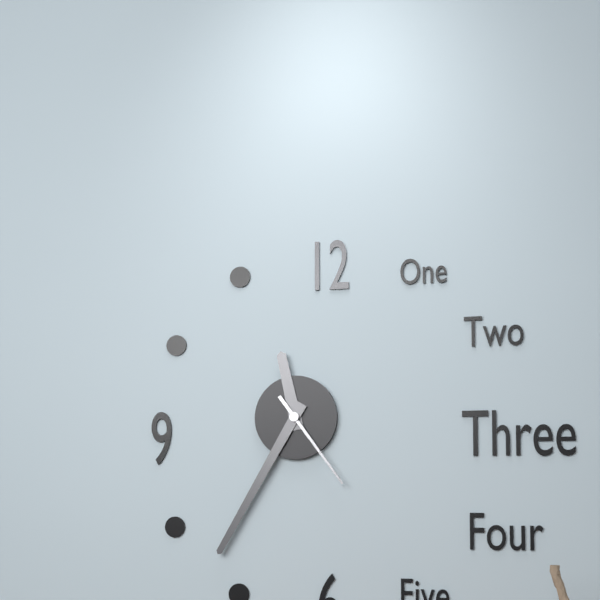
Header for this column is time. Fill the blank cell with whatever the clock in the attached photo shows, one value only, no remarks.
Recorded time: 11:35:24
